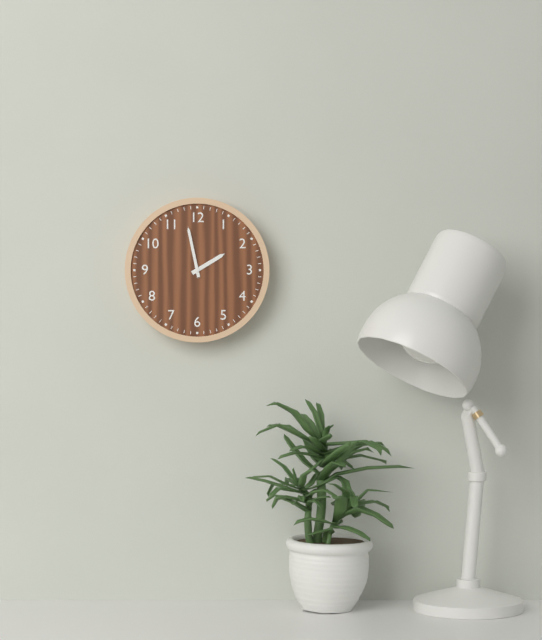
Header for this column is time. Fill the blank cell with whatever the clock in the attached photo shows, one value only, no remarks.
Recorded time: 1:58
